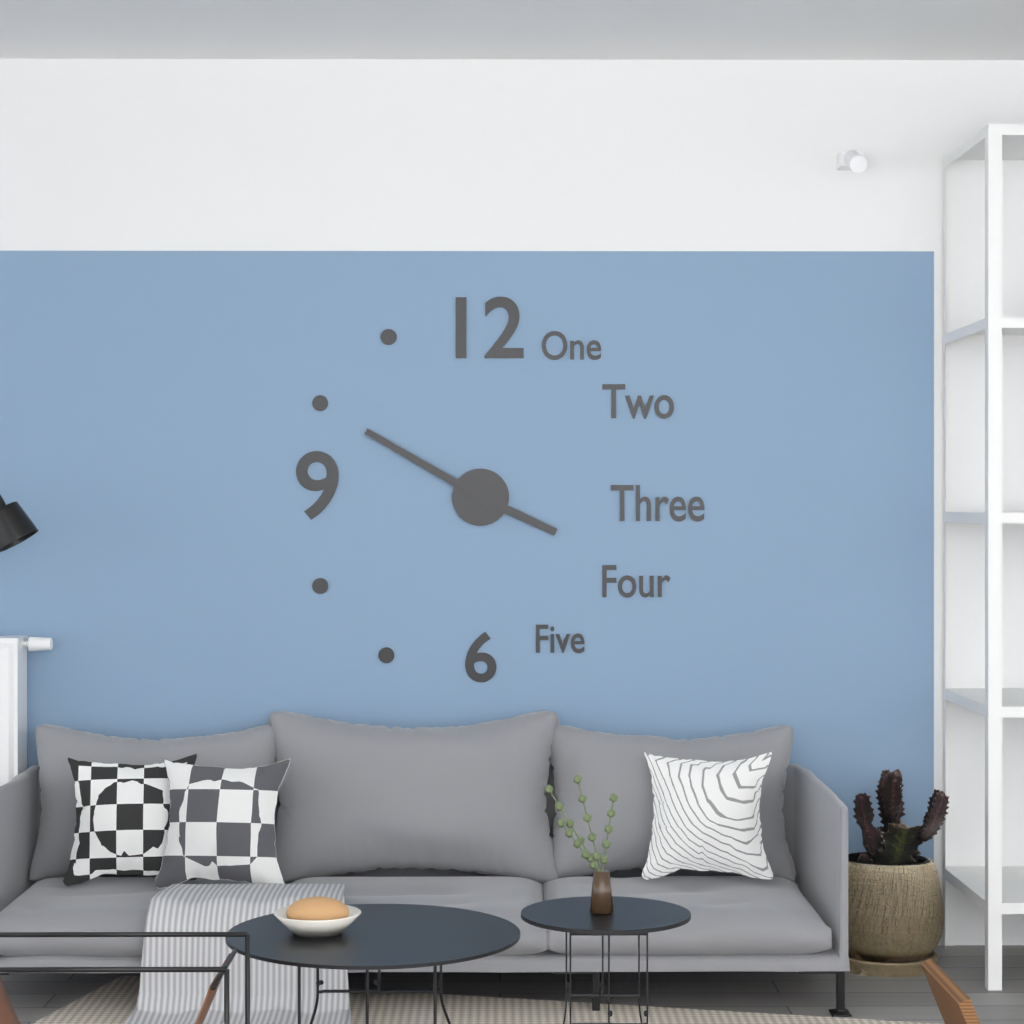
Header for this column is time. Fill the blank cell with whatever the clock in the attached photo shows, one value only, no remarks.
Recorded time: 3:50
